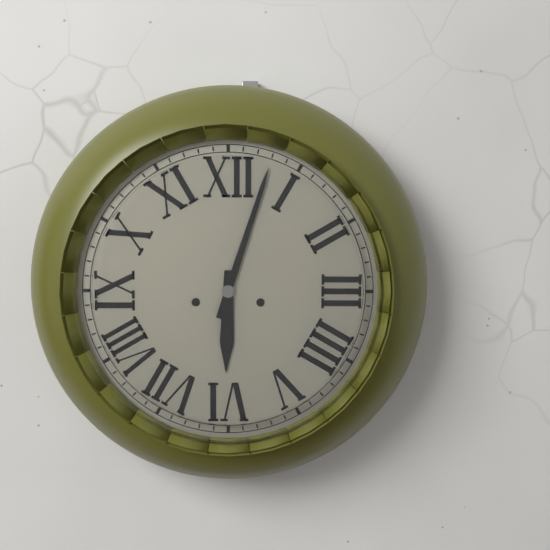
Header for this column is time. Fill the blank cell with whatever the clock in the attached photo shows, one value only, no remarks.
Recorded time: 6:03
